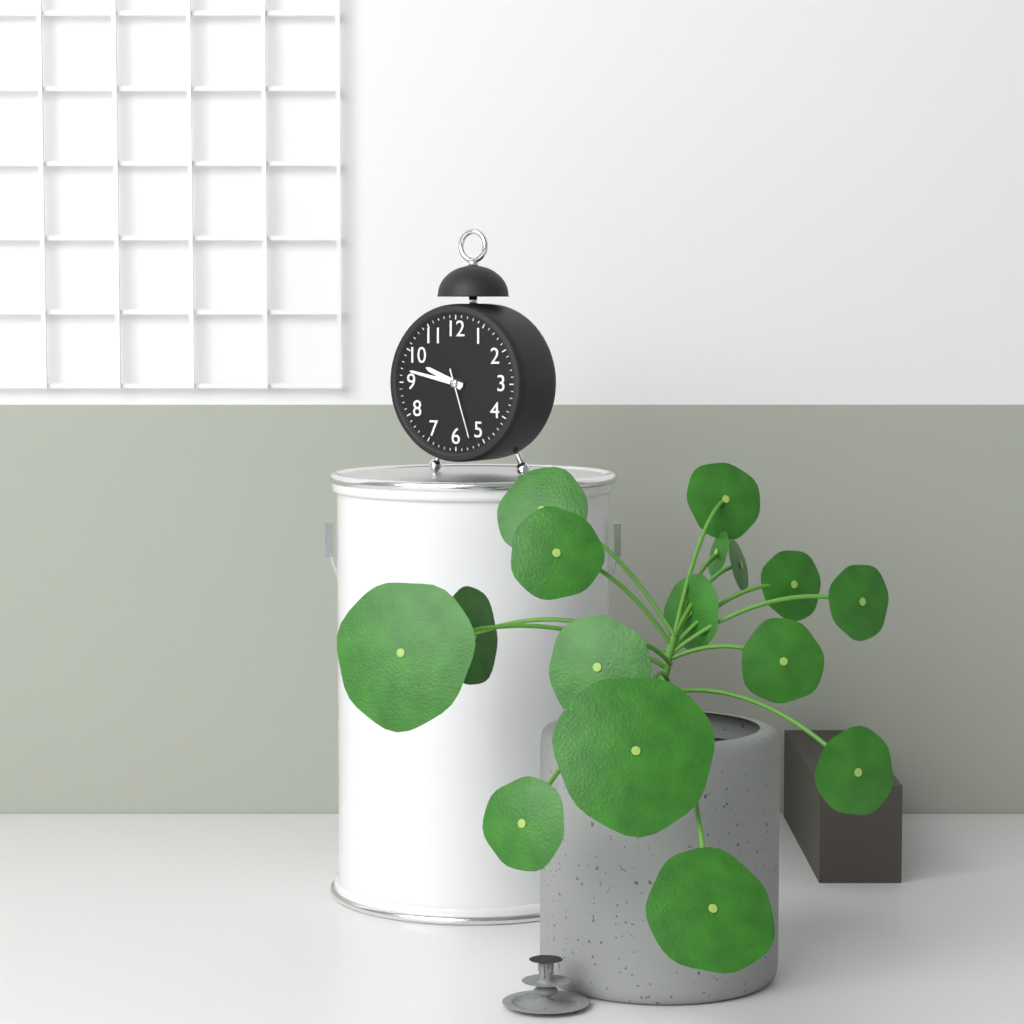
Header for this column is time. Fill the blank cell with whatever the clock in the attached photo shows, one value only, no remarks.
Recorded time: 9:47:27
